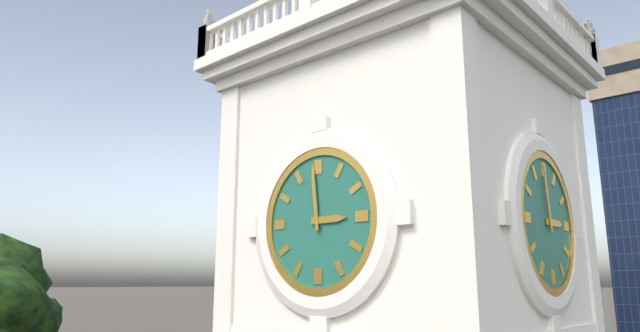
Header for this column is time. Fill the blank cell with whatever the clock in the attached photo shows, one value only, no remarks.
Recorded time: 2:59
